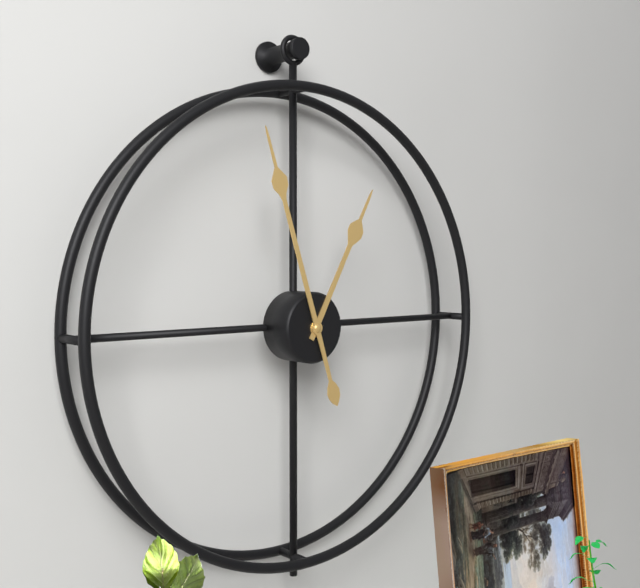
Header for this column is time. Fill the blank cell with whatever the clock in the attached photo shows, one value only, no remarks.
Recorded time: 12:57
